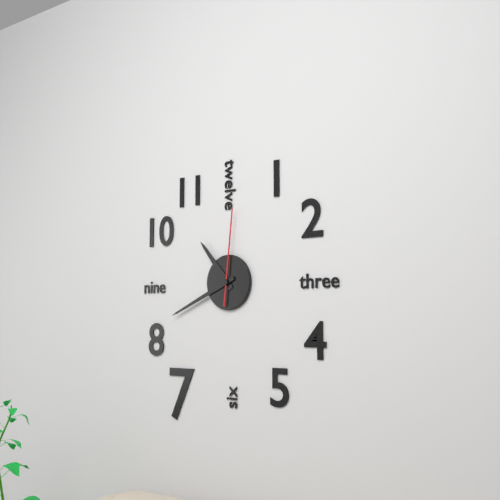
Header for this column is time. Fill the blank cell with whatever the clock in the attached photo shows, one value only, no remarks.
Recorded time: 10:41:01
